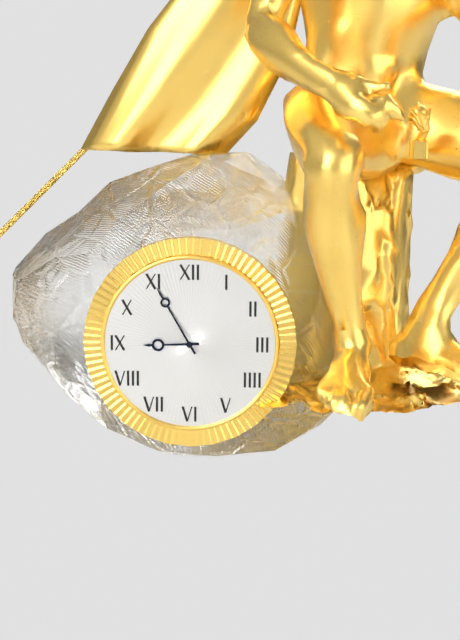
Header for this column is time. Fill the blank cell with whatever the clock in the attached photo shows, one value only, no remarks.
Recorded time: 8:55
